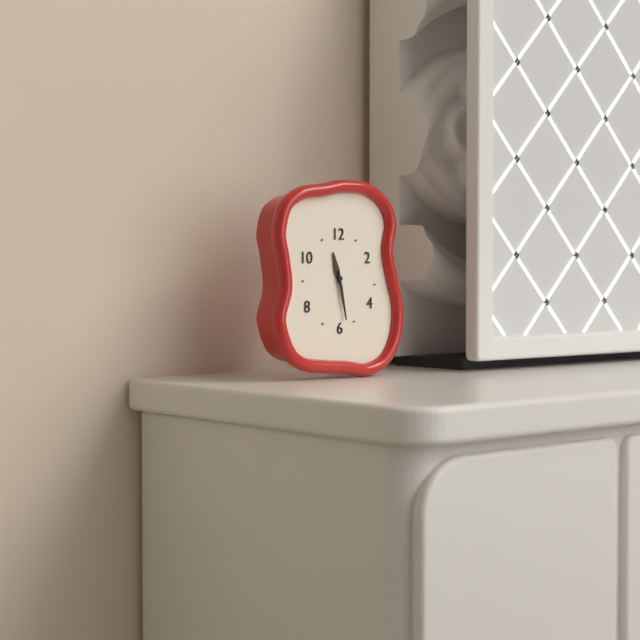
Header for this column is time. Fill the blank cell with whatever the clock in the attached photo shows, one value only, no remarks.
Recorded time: 11:28
